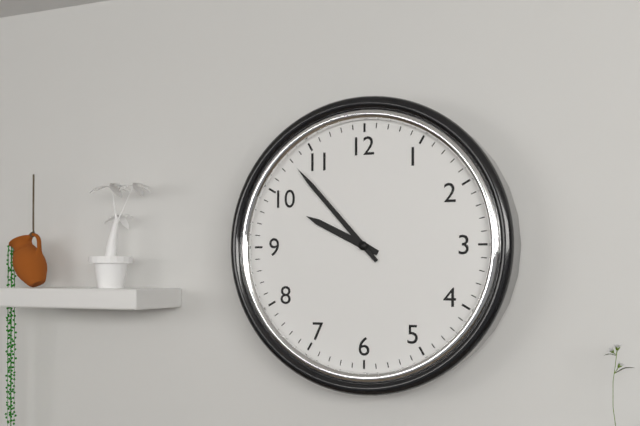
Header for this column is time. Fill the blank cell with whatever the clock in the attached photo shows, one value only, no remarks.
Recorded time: 9:53
